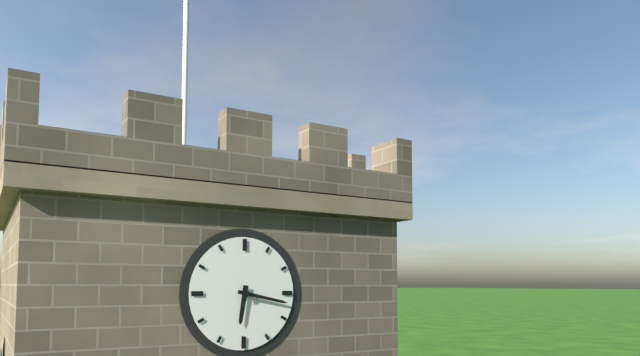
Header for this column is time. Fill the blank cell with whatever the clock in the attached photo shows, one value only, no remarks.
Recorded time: 6:17
